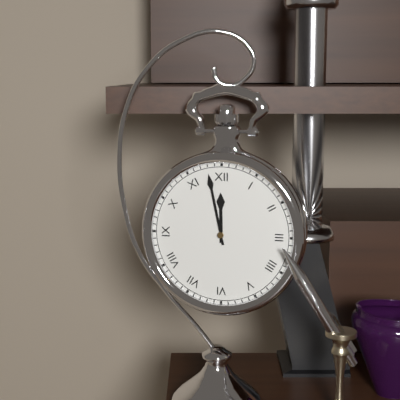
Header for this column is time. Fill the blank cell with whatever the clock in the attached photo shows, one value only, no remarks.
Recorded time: 11:58
